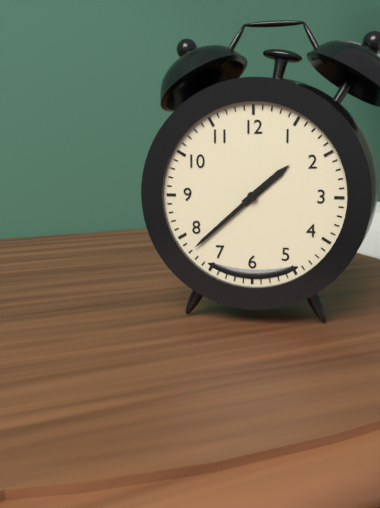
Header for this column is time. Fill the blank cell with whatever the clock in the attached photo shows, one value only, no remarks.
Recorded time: 1:38
